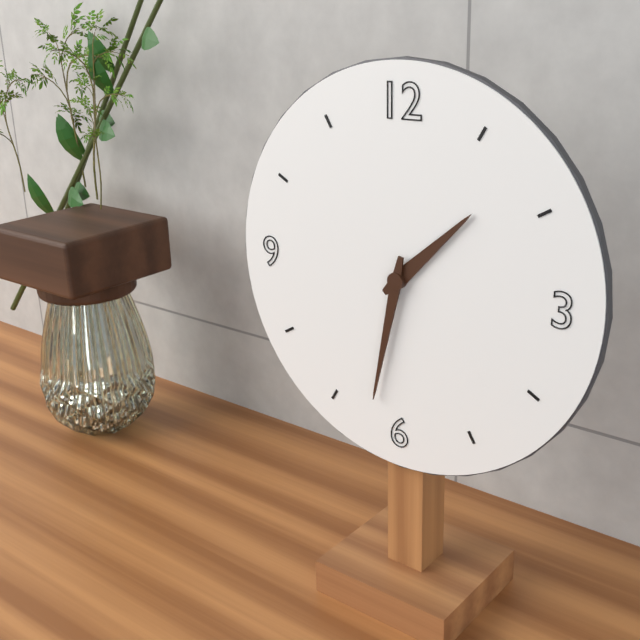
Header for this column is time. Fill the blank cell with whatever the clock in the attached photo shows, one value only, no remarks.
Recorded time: 1:32
